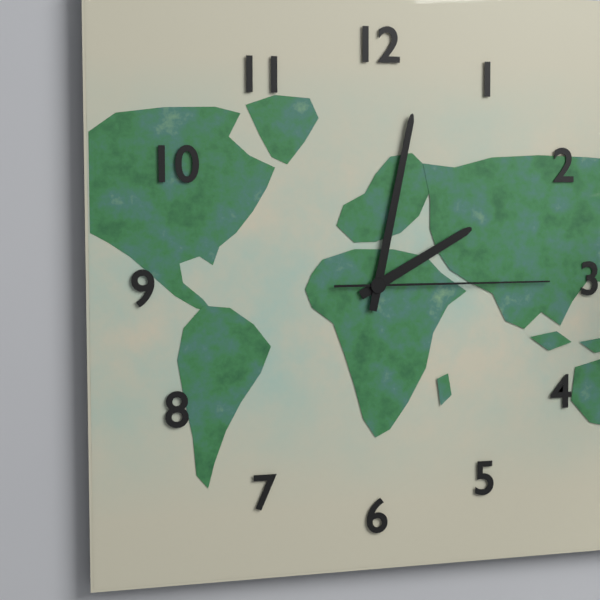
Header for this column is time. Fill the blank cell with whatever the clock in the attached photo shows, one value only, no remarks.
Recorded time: 2:02:15
